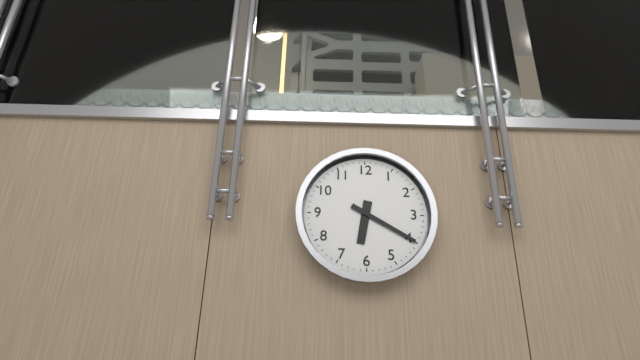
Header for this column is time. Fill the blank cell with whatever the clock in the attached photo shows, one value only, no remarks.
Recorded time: 6:20
